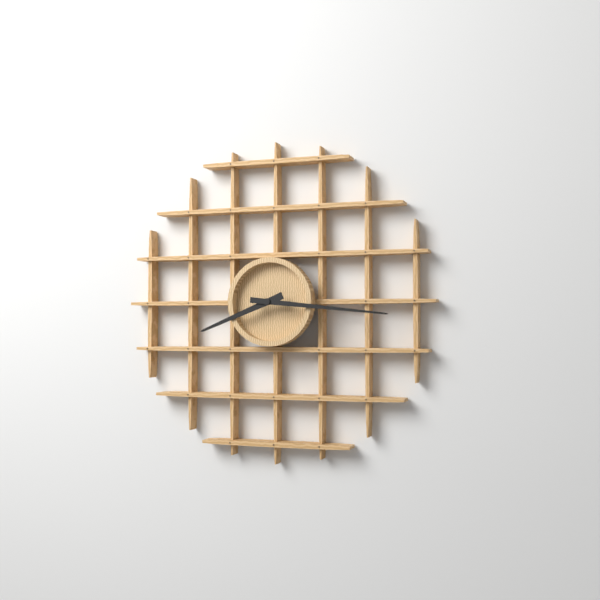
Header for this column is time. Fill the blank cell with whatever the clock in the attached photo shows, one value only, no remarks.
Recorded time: 8:16
